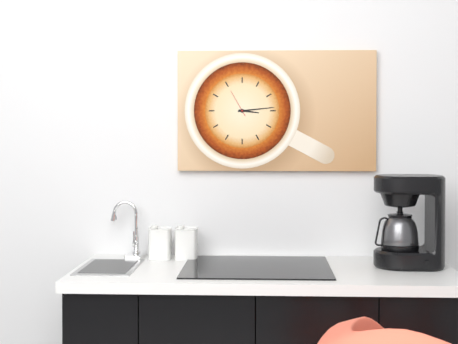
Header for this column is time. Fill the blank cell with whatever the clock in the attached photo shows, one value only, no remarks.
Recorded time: 3:14
